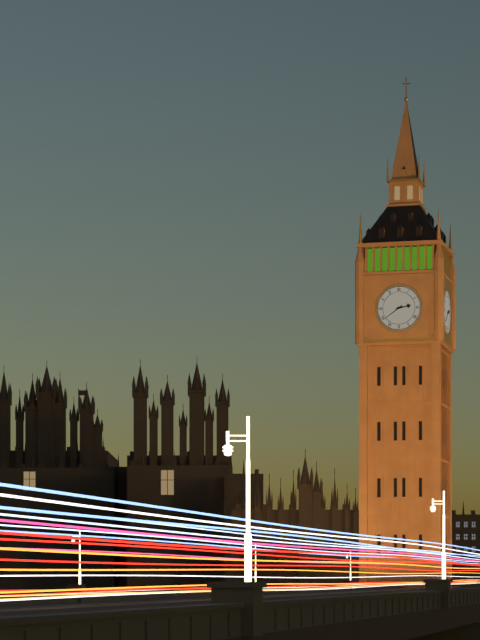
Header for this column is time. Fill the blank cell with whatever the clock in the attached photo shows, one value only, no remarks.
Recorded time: 2:39
